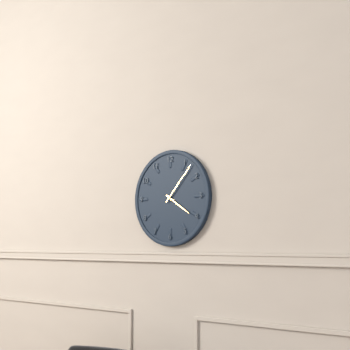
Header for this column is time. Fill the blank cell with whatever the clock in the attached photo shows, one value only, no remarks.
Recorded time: 4:07
